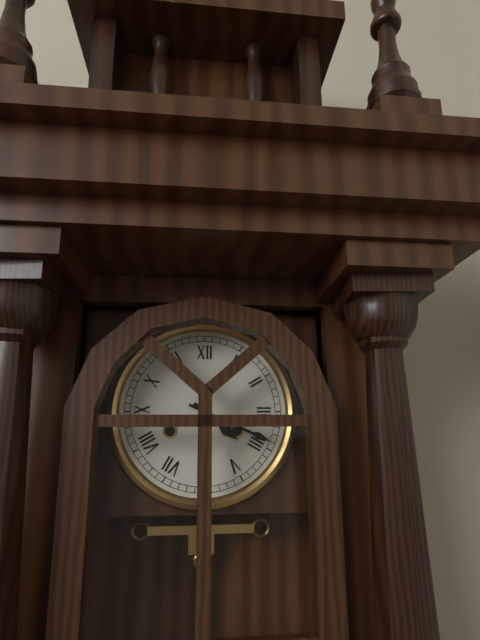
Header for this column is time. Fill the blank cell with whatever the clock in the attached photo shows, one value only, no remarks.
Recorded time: 4:19
